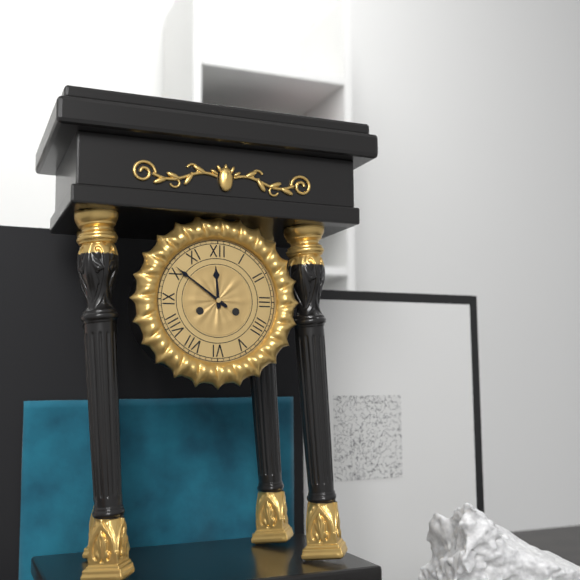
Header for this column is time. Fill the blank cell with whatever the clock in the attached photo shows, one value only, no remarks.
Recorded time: 11:51
